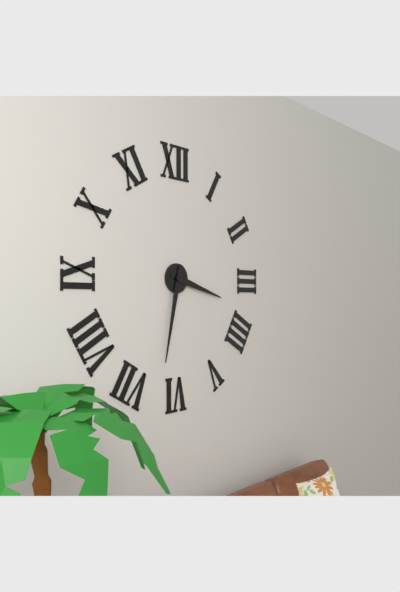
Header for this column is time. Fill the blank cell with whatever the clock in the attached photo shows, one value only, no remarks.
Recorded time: 3:32
